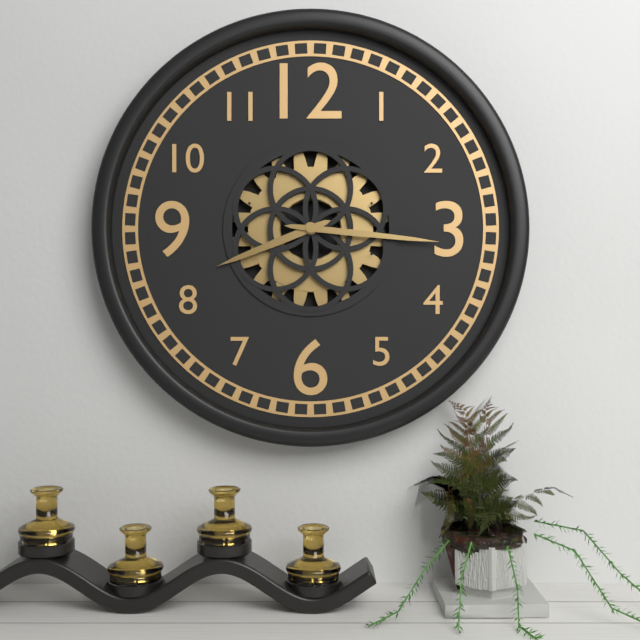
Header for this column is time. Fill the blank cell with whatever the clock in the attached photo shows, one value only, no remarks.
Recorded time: 8:16
